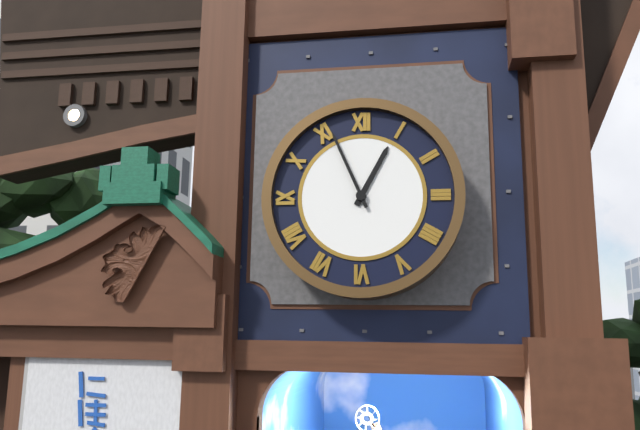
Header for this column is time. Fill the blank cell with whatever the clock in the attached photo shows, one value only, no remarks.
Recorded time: 12:56
